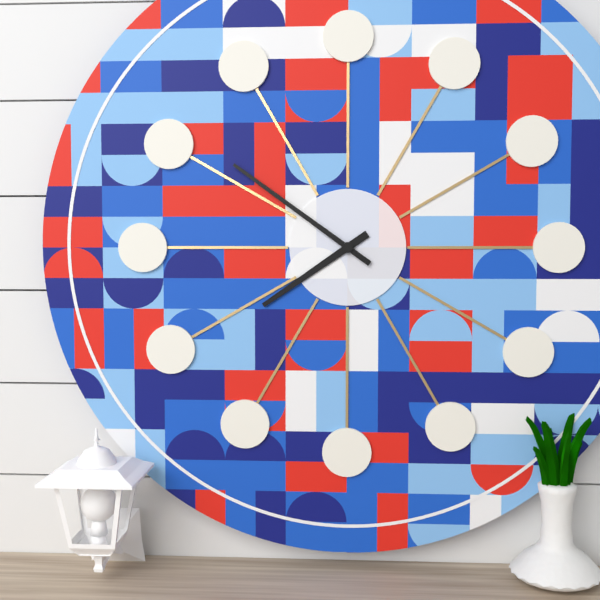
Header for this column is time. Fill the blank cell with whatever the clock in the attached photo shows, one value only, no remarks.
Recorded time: 7:51
